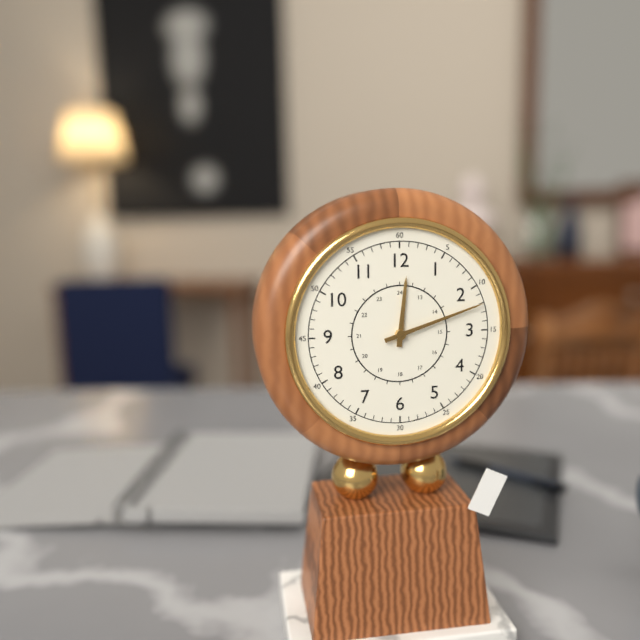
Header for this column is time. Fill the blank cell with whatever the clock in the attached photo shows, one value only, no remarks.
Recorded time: 12:12
